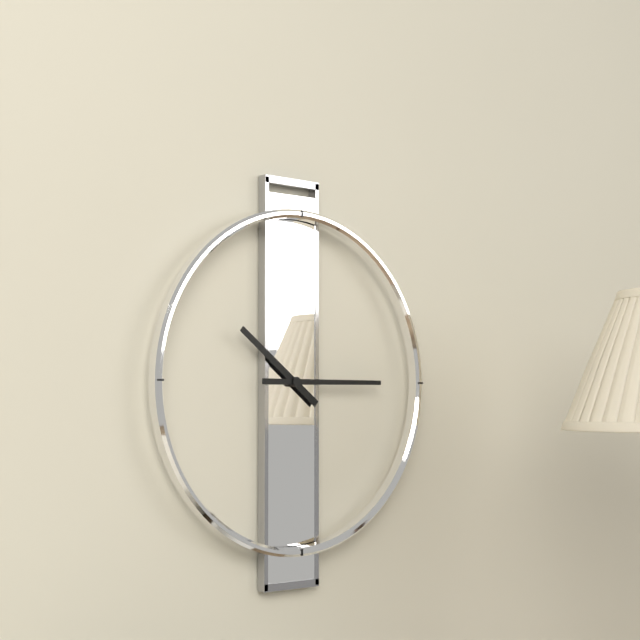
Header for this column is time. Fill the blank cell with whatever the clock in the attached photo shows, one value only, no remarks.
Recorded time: 10:15
